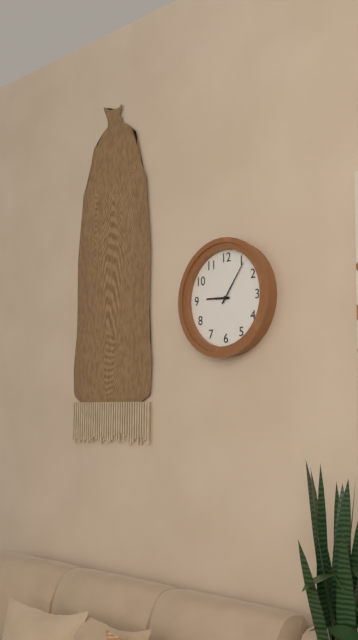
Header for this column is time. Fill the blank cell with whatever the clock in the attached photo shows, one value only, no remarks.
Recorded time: 9:06
